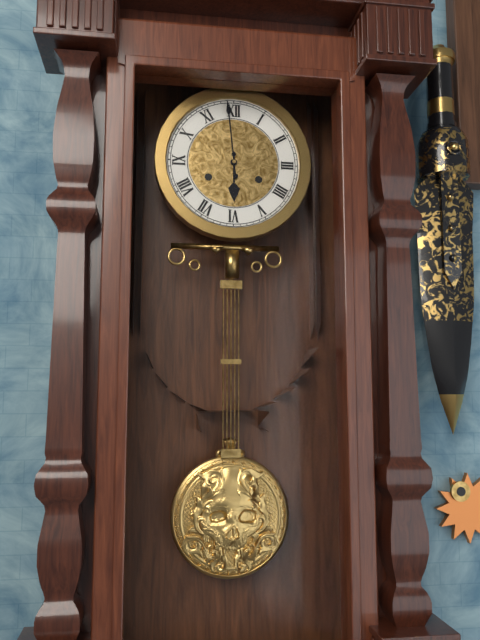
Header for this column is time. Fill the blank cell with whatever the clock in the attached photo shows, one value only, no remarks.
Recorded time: 5:59
